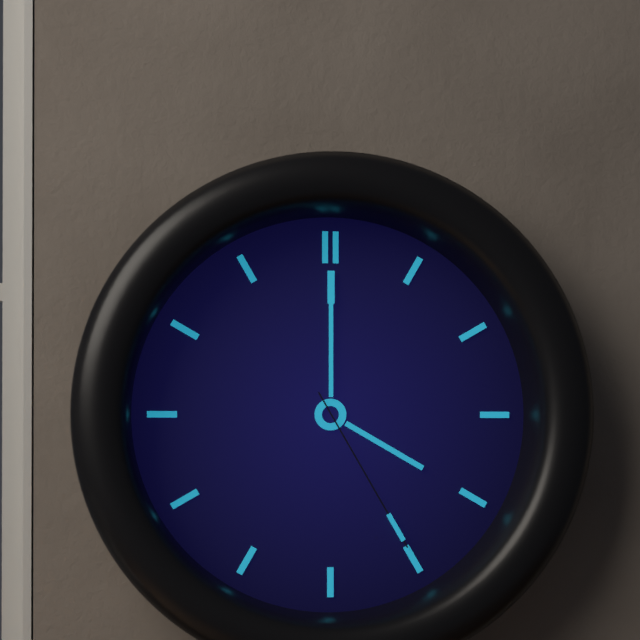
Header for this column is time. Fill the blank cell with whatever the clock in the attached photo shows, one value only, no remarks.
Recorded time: 4:00:25
